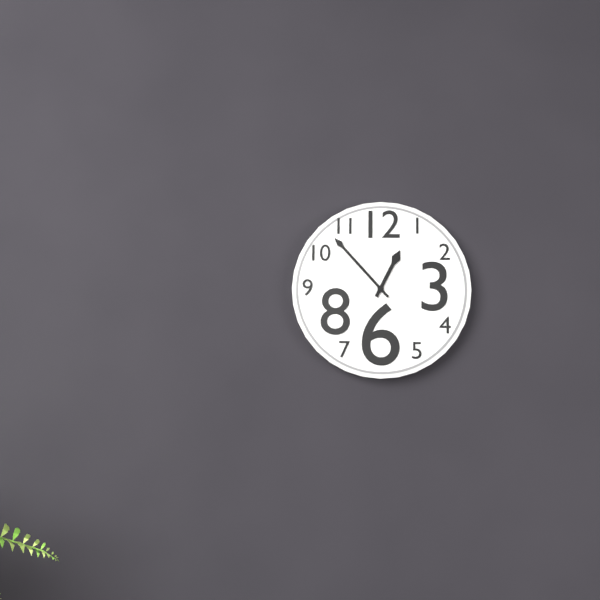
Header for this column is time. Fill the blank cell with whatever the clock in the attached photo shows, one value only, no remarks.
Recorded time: 12:53
